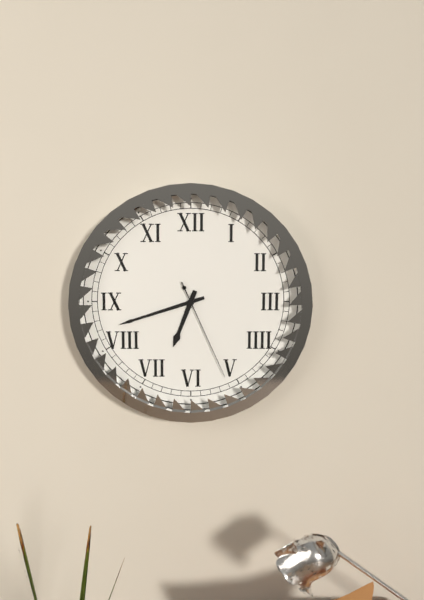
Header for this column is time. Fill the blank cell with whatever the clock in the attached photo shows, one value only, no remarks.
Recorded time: 6:42:26
